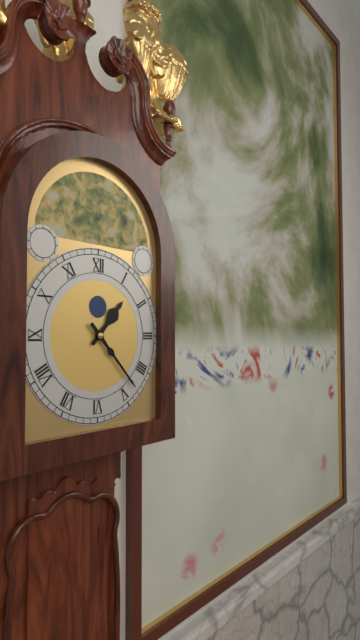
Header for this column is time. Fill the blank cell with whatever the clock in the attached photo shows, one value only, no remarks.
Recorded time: 1:23
